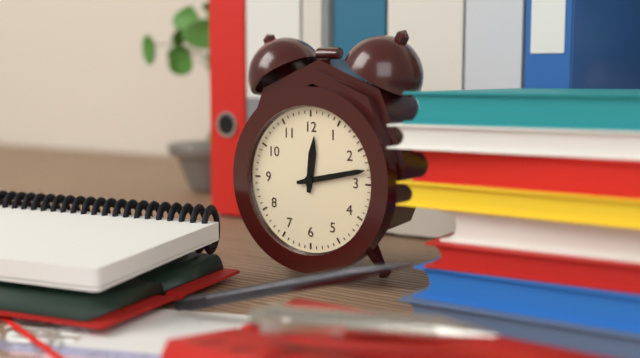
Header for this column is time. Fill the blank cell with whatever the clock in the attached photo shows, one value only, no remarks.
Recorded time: 12:13
